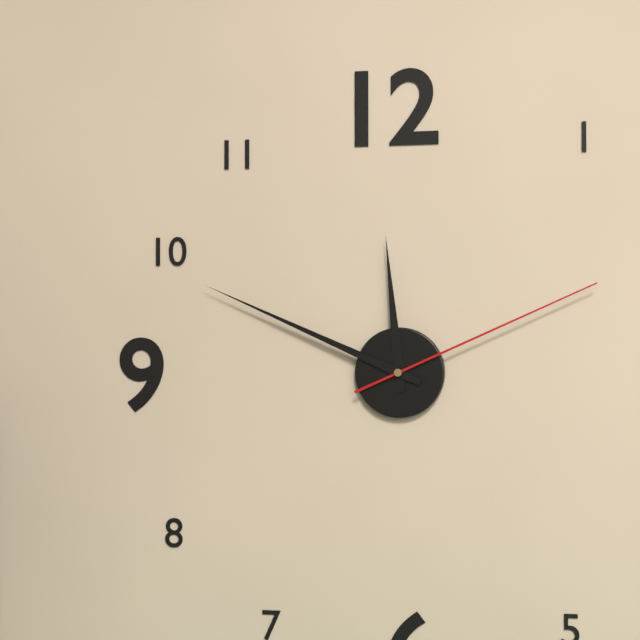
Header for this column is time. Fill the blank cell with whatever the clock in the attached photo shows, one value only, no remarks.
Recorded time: 11:49:11
